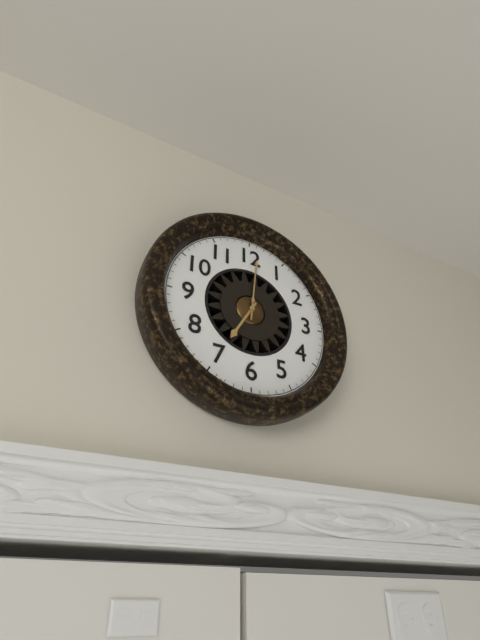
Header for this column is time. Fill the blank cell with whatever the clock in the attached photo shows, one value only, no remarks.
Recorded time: 7:01
